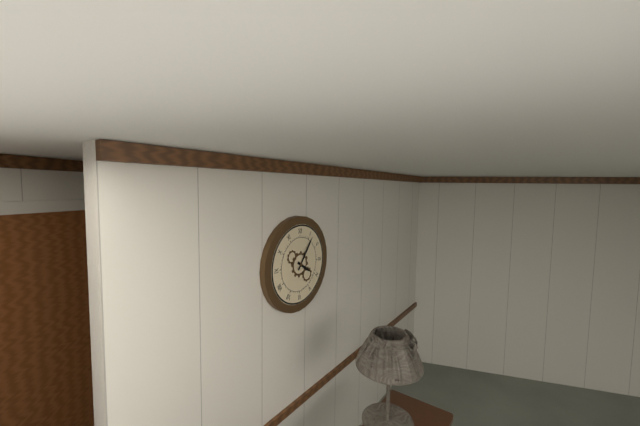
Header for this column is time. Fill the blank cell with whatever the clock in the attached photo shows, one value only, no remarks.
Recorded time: 4:06
